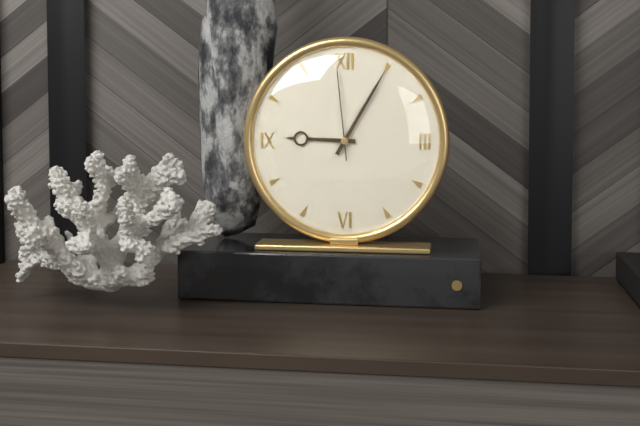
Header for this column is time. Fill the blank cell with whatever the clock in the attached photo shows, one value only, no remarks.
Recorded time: 9:05:59
